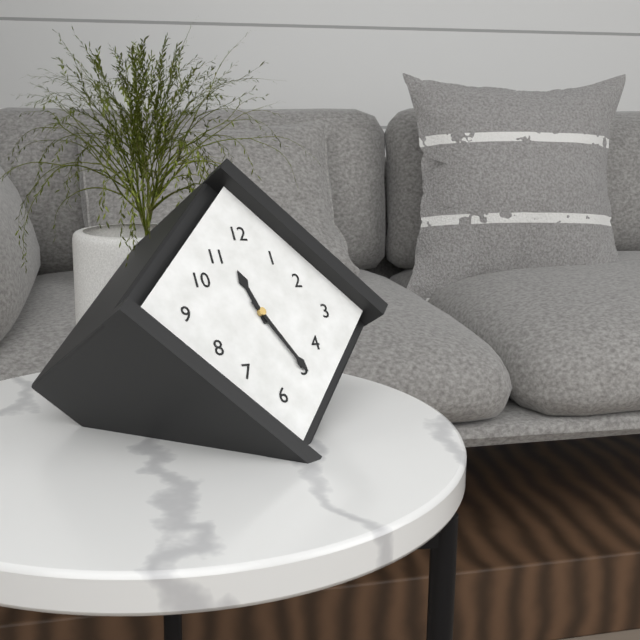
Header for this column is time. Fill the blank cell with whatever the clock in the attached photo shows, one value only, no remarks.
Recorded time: 11:25
